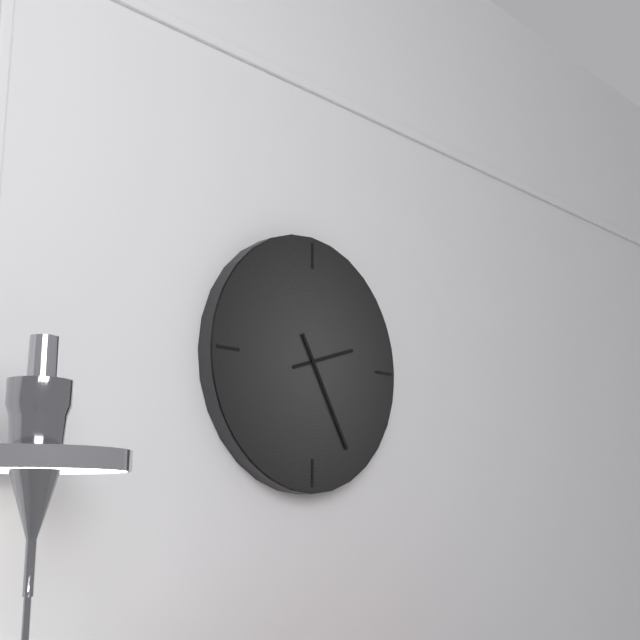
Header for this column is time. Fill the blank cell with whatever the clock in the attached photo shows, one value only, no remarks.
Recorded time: 2:25
